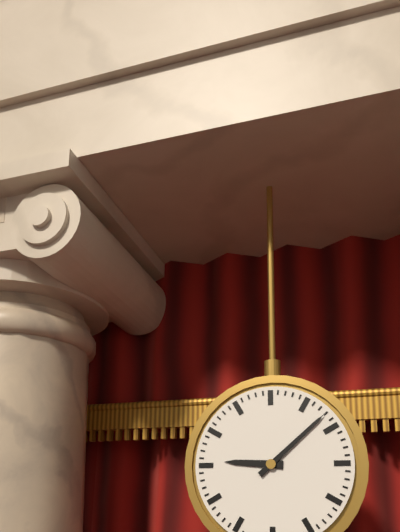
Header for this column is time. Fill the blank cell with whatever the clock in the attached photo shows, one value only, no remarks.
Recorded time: 9:08
